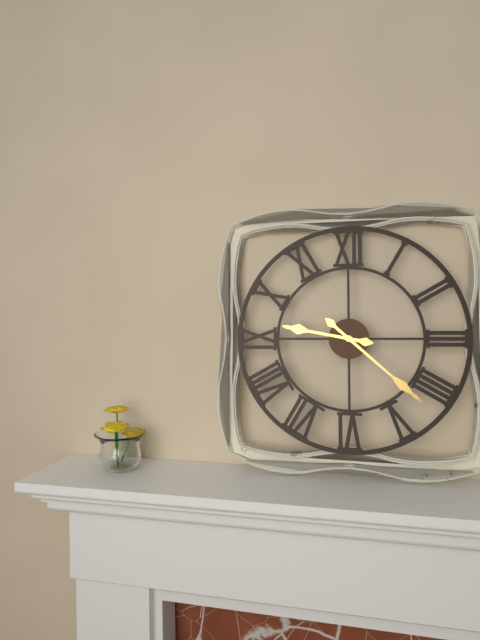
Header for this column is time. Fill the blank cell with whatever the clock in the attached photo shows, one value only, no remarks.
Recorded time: 9:22
